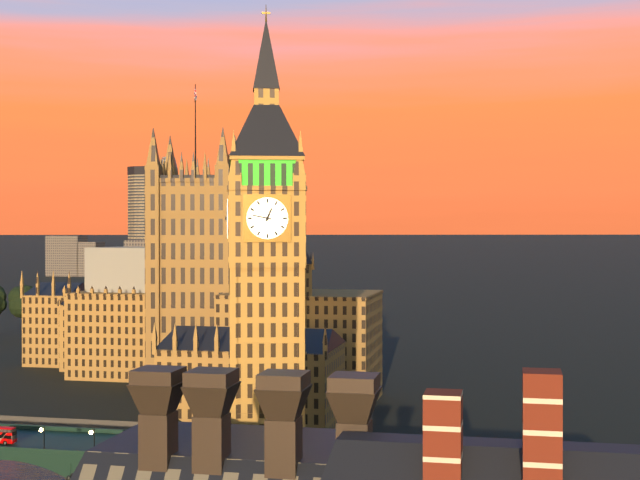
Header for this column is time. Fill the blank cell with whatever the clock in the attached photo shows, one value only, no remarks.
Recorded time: 12:47
